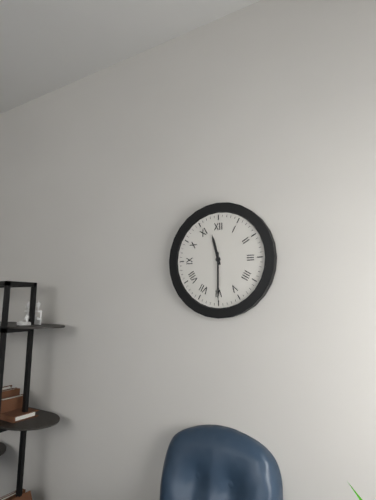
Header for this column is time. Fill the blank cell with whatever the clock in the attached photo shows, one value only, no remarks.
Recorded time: 11:30
